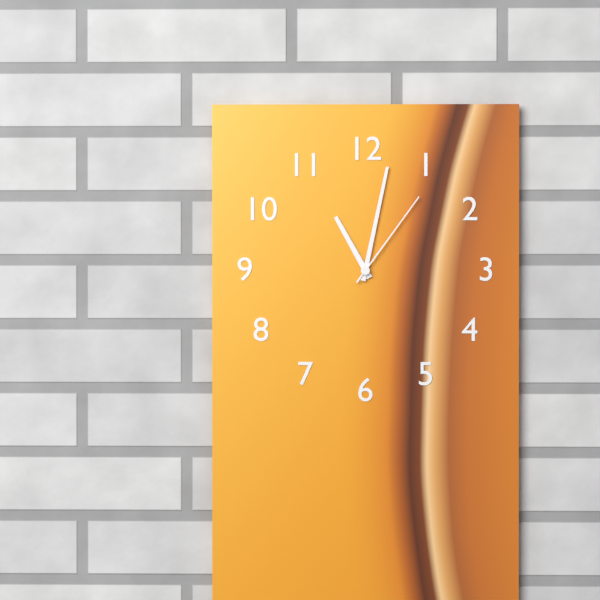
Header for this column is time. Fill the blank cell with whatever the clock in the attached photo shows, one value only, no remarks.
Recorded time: 11:02:06
